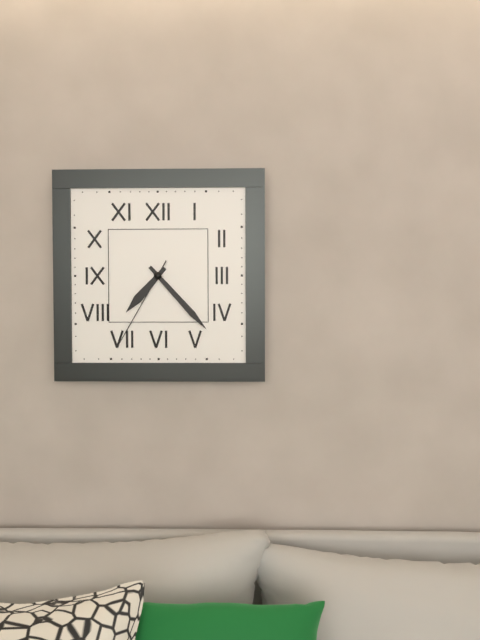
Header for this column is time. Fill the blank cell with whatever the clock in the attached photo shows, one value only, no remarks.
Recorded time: 7:23:35
